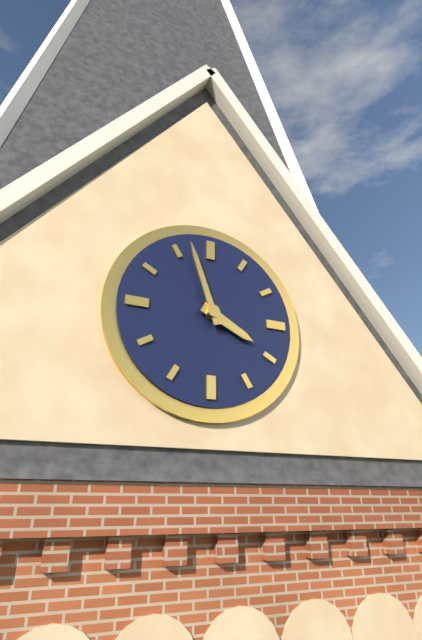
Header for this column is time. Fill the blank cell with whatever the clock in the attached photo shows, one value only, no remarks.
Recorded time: 3:57
